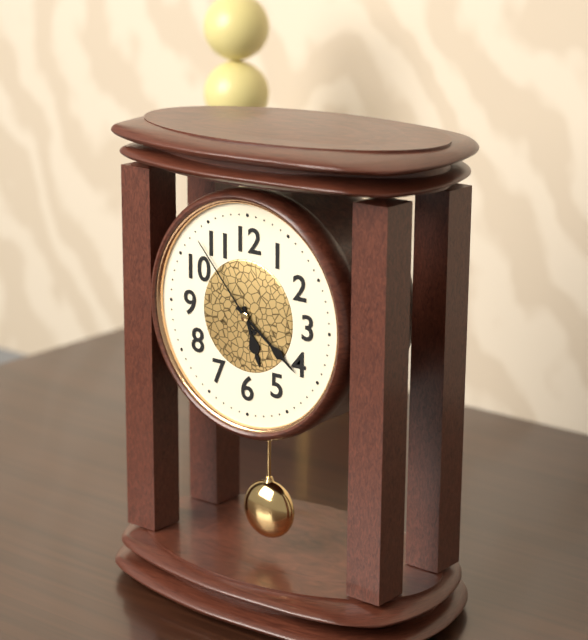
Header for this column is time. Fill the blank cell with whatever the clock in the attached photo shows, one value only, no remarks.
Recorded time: 5:21:53
